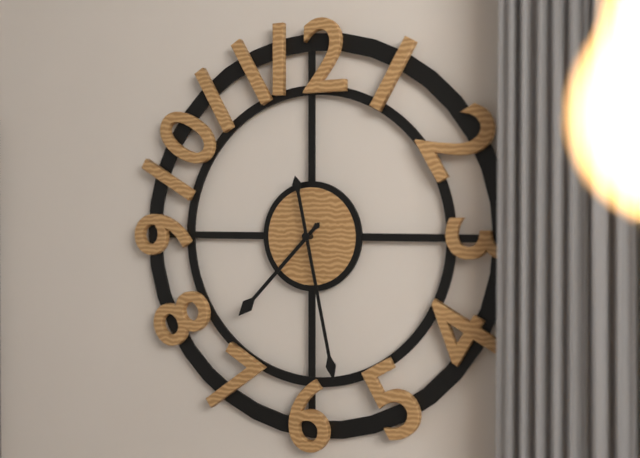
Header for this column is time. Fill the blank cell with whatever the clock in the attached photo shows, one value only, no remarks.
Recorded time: 7:28
